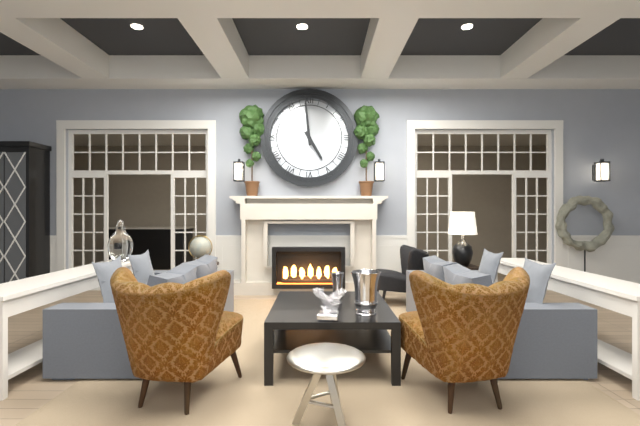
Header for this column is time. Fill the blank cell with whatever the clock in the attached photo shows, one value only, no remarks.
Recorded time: 4:59
